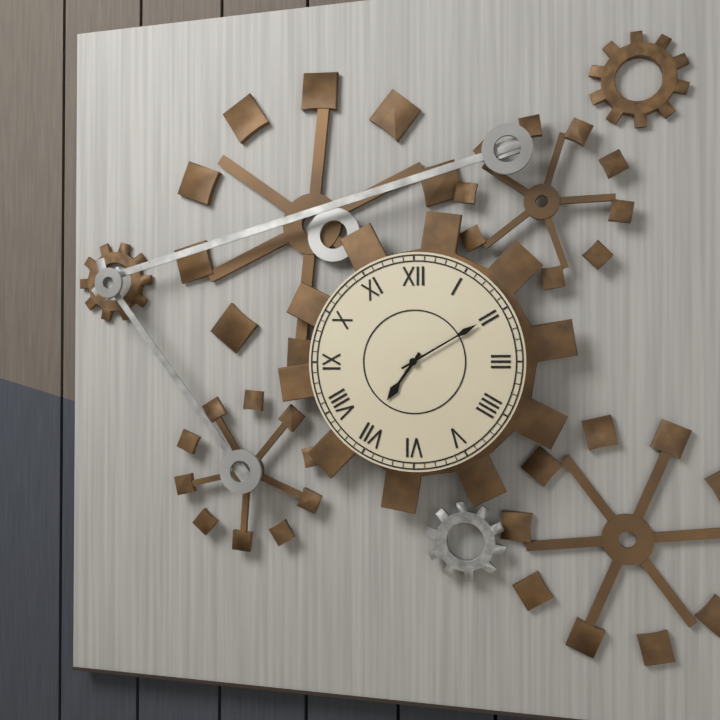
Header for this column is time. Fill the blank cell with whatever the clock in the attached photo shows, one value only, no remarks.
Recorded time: 7:10
